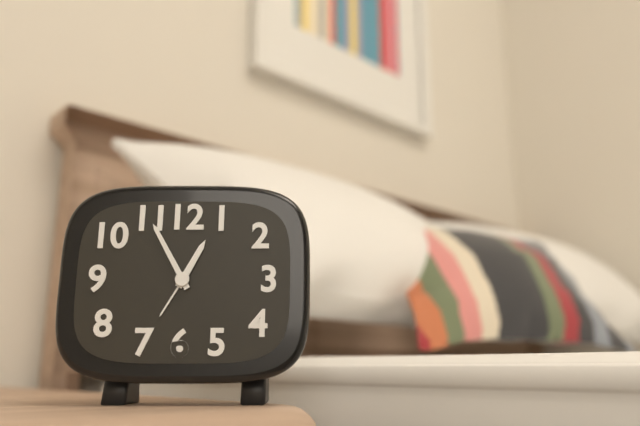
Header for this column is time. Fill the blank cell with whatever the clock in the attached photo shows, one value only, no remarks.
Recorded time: 12:55
